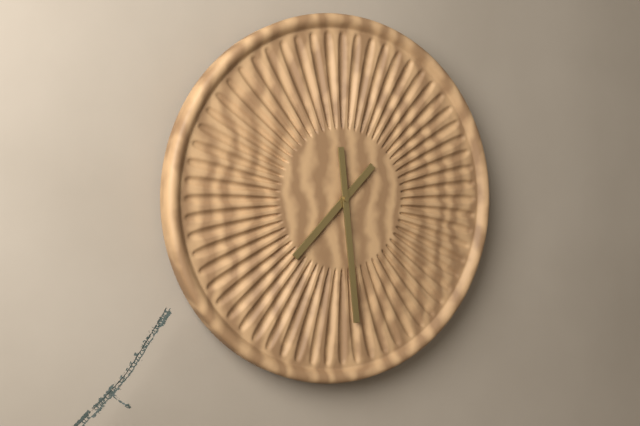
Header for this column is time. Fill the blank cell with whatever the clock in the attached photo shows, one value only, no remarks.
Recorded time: 7:29
